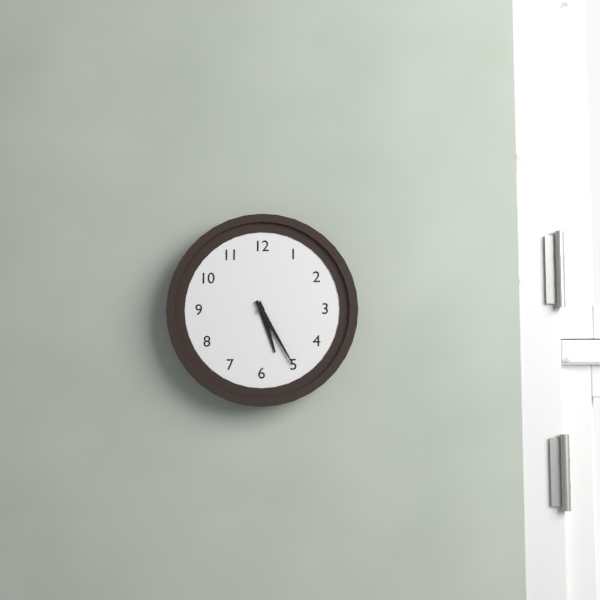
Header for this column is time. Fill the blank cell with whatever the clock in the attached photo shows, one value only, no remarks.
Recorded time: 5:25
